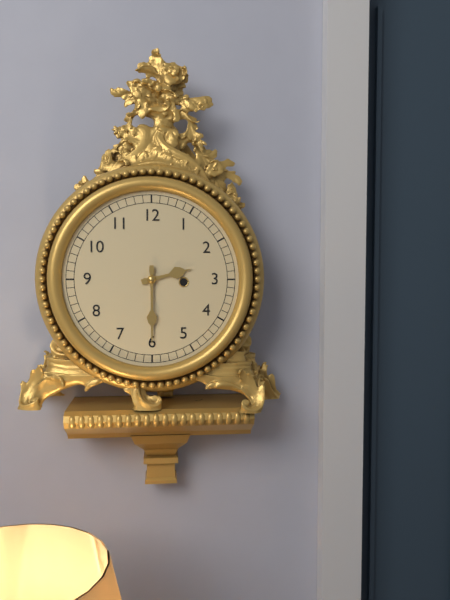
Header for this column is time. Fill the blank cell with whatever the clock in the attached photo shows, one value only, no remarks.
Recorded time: 2:30
